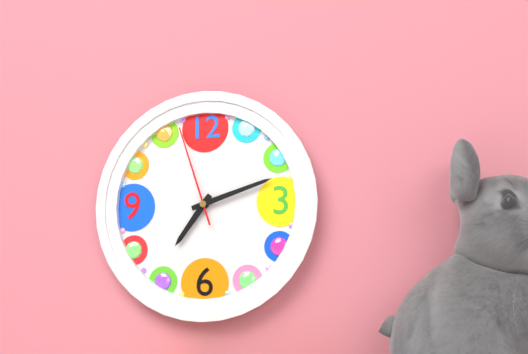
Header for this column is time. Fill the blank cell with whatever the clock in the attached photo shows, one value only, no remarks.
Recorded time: 7:12:57
